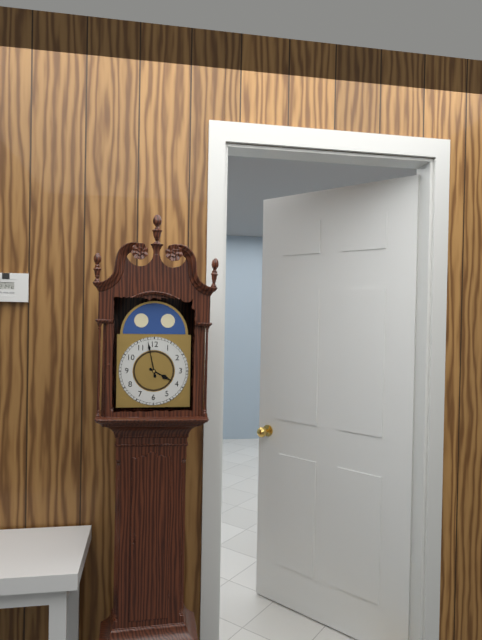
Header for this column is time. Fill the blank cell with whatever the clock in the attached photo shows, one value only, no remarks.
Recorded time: 3:58
